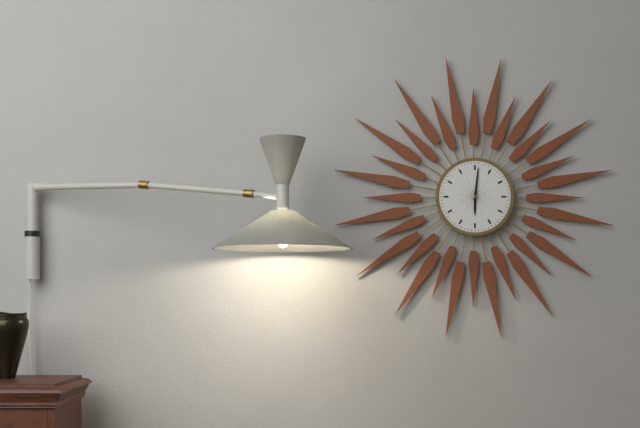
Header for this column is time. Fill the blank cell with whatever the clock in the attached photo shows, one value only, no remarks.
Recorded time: 6:01
